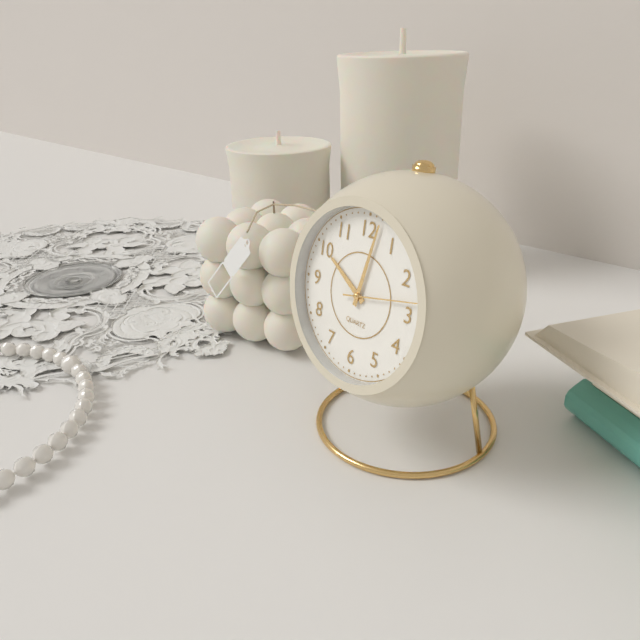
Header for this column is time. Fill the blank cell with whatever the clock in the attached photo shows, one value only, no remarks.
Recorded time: 10:02:13
